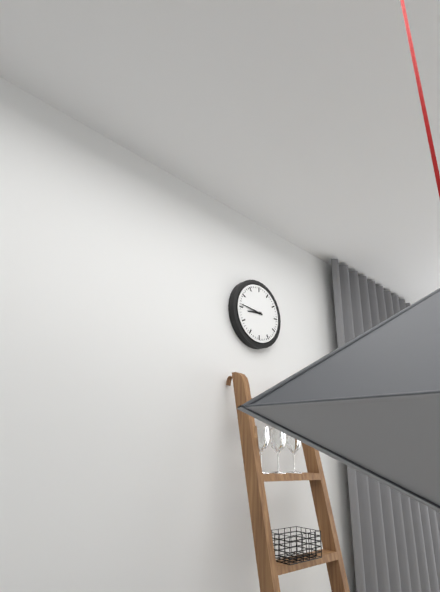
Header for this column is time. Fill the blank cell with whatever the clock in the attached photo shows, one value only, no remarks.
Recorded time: 8:46
